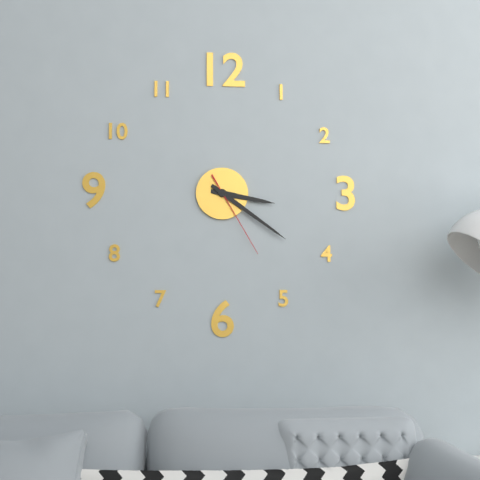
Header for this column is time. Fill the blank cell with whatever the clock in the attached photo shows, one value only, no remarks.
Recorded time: 3:21:25
